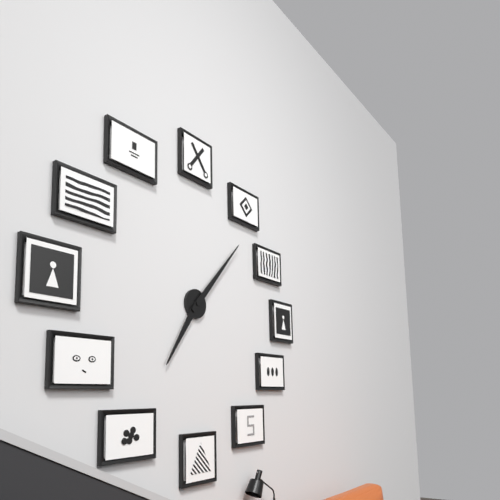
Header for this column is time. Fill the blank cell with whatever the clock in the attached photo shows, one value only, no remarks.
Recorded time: 7:07
